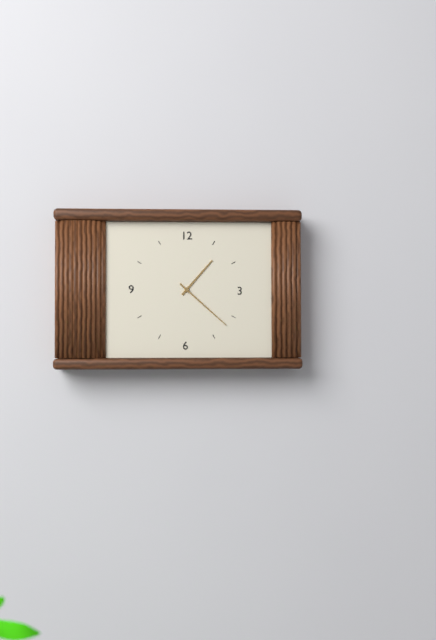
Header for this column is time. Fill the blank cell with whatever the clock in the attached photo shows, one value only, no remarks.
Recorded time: 1:22
